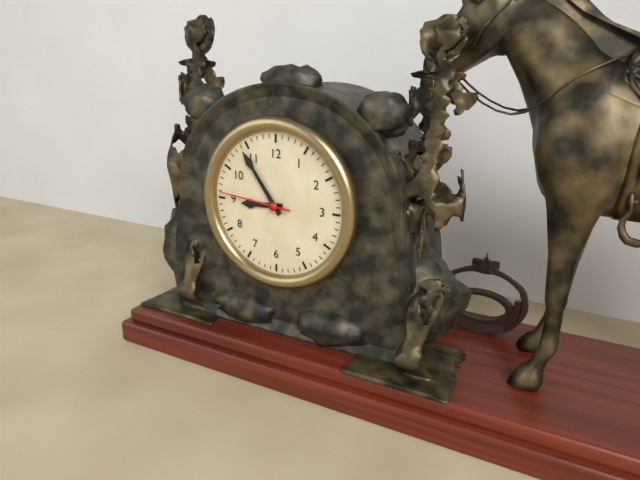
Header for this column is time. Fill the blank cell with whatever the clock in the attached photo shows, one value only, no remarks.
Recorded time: 8:54:46
